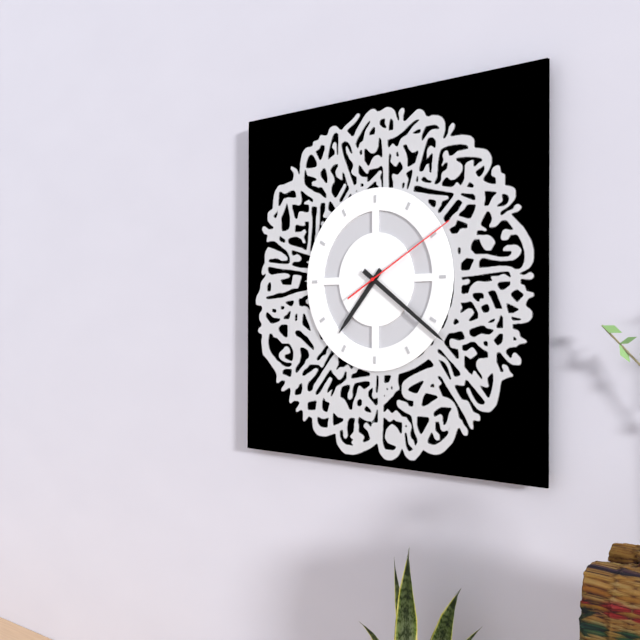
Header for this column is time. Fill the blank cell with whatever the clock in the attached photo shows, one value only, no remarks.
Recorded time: 7:21:10
